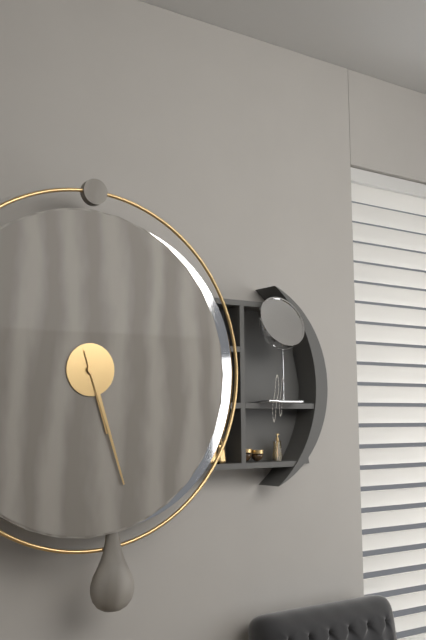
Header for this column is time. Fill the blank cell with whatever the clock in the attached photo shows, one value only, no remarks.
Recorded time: 5:27
